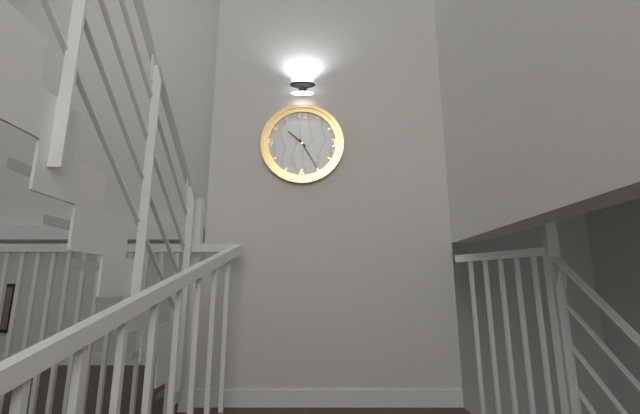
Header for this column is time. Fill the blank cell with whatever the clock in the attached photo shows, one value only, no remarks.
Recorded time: 10:25
